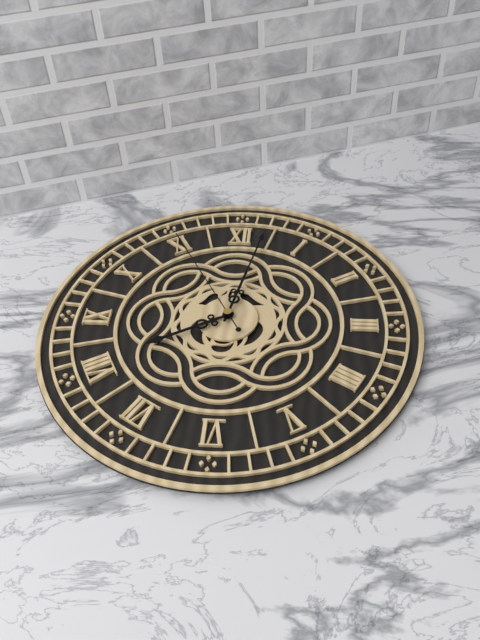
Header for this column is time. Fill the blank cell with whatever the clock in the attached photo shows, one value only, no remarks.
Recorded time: 8:02:55
